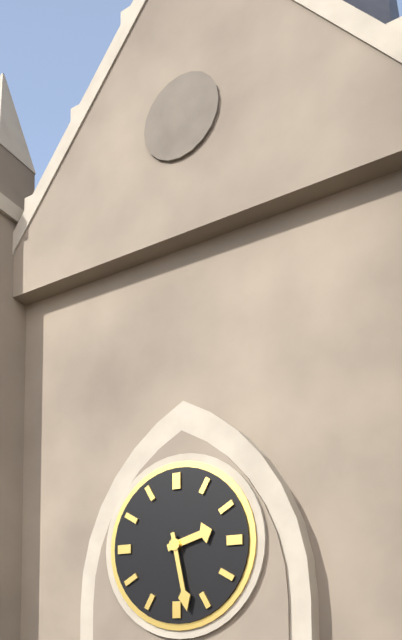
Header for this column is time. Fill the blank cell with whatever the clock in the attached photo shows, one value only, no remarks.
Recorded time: 2:28
